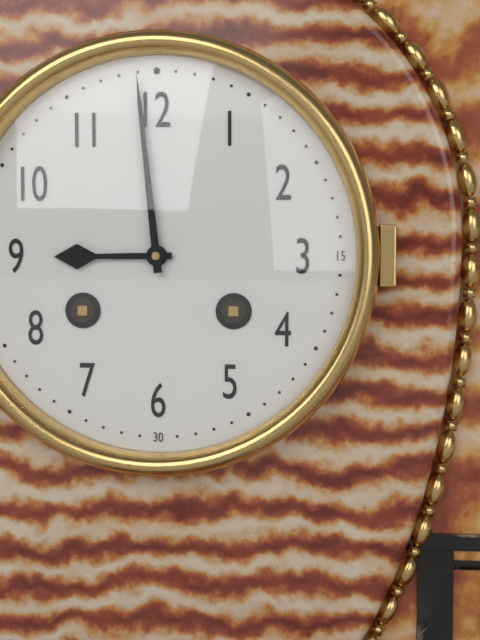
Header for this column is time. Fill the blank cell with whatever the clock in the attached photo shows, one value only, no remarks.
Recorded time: 8:59
